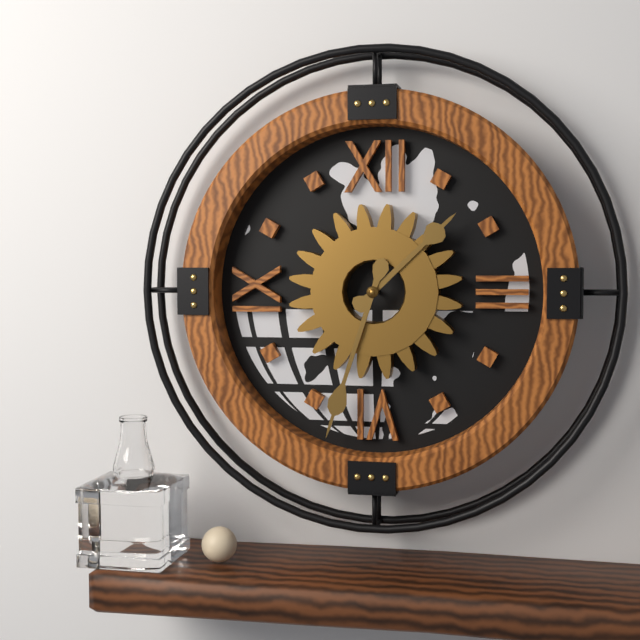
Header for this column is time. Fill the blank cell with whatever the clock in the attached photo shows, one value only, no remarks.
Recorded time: 1:33
